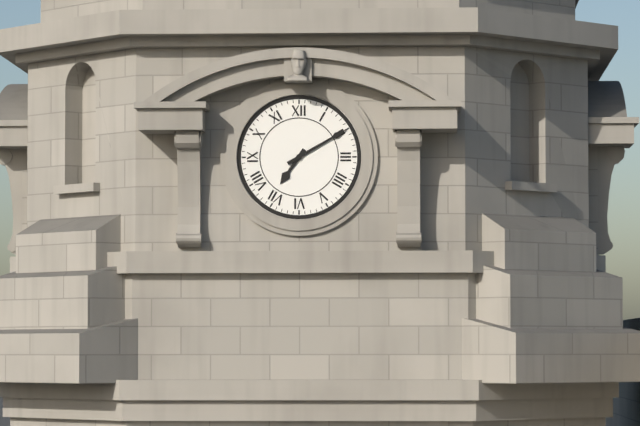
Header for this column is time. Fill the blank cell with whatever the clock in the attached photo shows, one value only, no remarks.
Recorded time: 7:10
